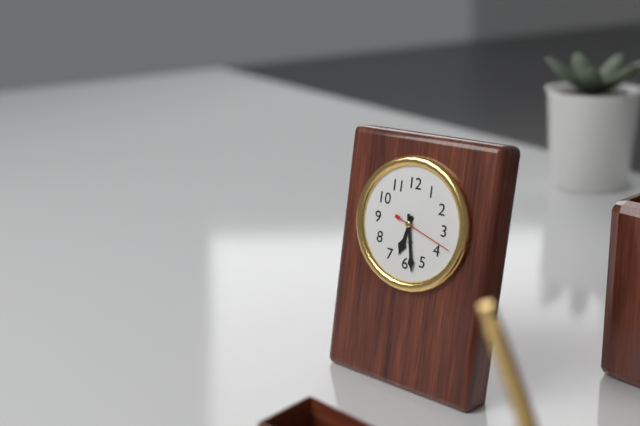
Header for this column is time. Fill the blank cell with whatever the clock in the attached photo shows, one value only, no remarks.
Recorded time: 6:28:18
